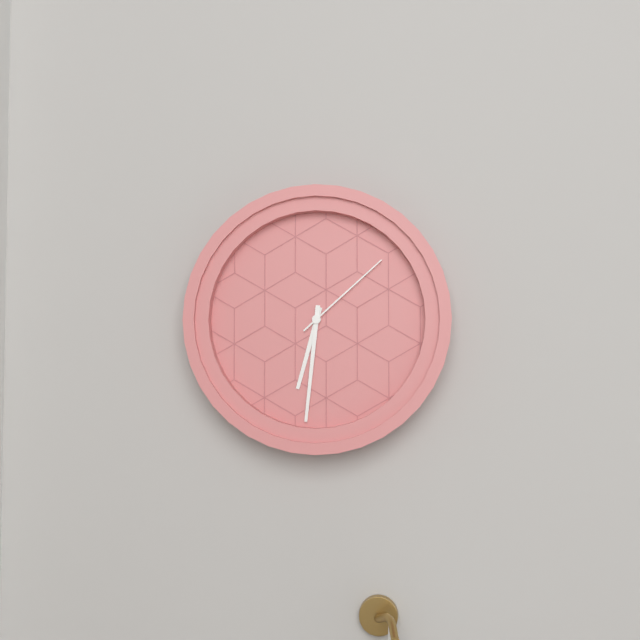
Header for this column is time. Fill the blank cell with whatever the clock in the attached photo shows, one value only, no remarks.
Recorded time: 6:31:08
